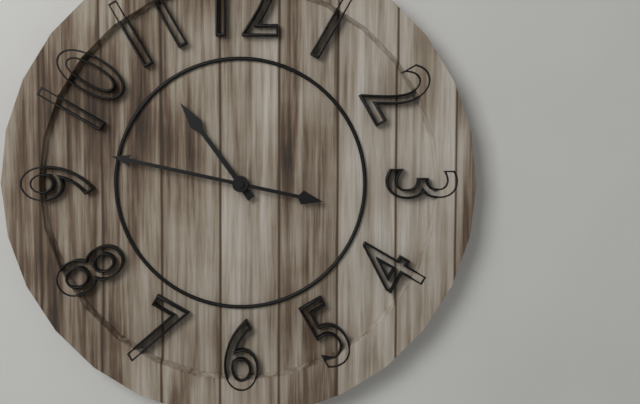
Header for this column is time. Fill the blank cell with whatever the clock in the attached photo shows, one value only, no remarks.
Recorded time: 10:47
